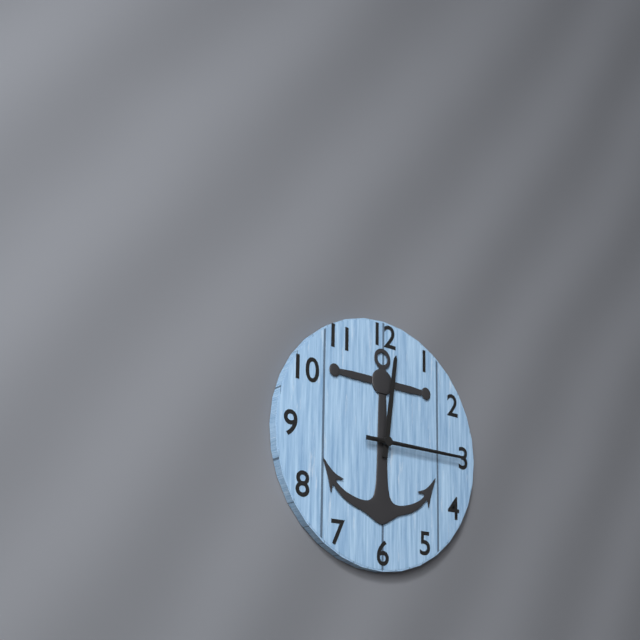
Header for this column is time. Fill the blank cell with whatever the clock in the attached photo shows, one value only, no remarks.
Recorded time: 12:15:15
